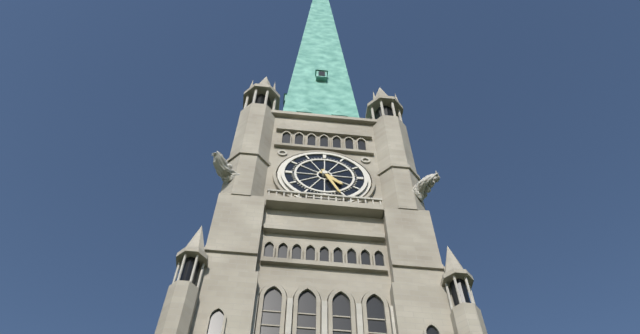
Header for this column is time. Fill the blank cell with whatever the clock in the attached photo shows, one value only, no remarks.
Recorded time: 4:26
